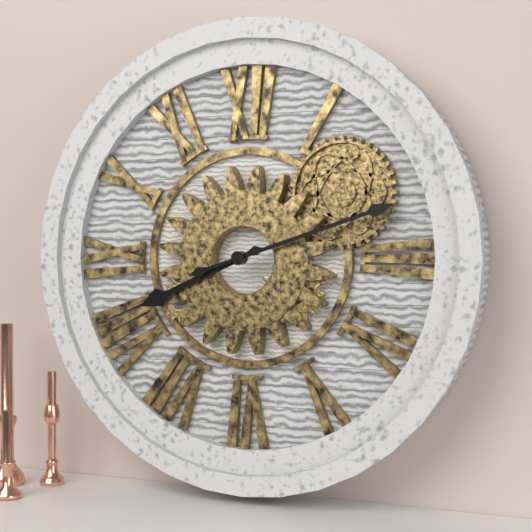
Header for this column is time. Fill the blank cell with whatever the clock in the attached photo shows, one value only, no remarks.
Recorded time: 8:12
